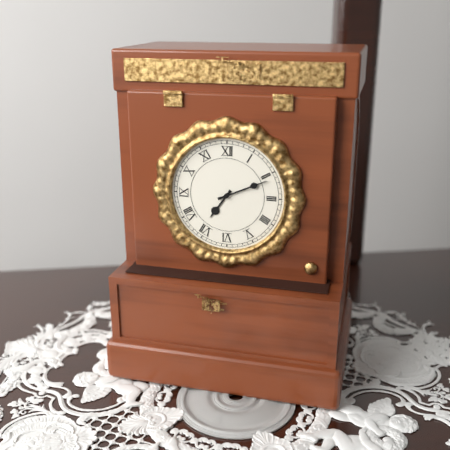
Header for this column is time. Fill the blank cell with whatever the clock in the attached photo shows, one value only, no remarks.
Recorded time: 7:11
